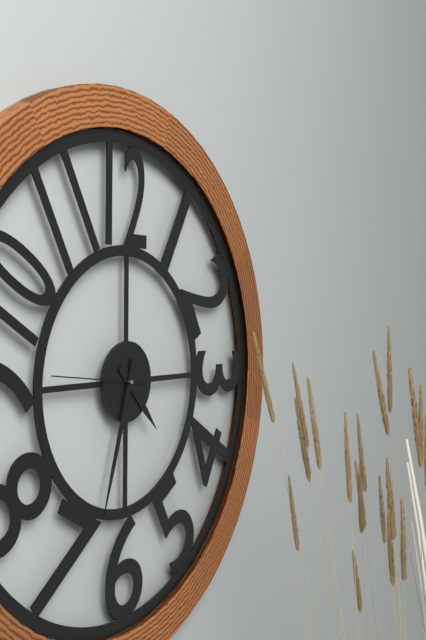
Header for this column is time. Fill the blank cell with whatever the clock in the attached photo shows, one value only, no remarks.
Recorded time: 4:33:46
